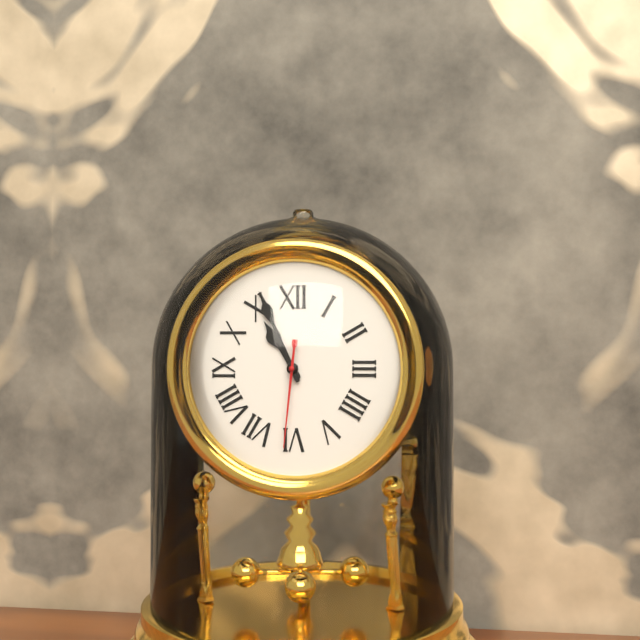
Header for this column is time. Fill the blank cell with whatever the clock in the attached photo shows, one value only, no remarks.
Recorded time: 10:56:31
